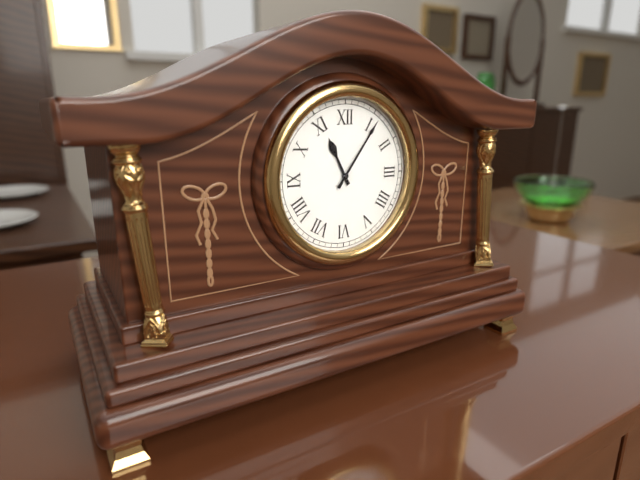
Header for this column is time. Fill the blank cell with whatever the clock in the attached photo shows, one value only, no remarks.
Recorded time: 11:06
